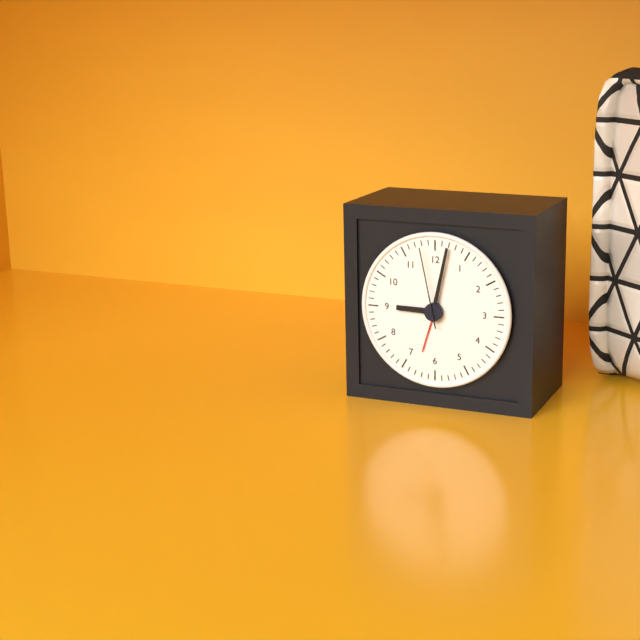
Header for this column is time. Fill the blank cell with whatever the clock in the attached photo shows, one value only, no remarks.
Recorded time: 9:02:58
